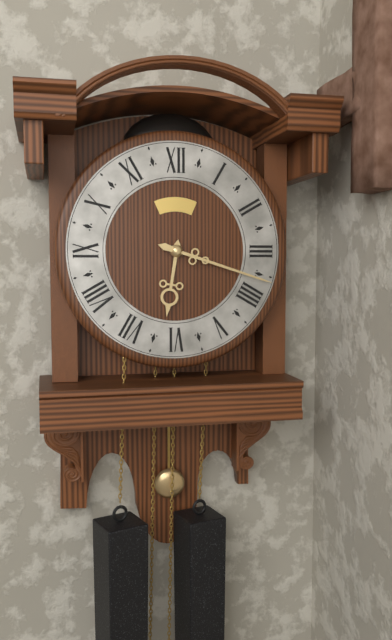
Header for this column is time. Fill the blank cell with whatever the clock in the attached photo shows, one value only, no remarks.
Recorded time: 6:18
